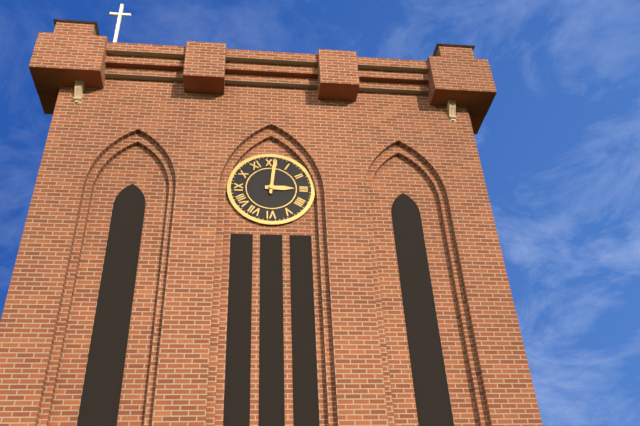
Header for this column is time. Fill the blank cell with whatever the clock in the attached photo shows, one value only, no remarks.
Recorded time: 3:01
